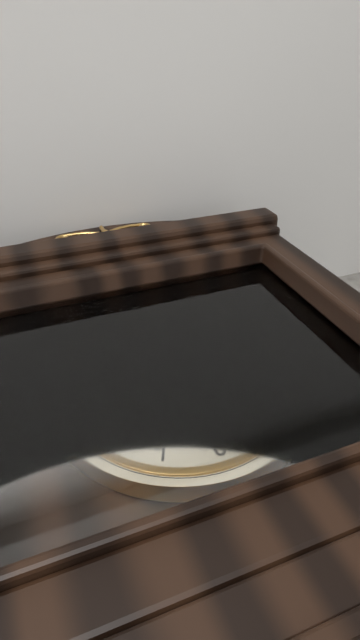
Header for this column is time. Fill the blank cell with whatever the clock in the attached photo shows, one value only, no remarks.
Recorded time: 10:58
